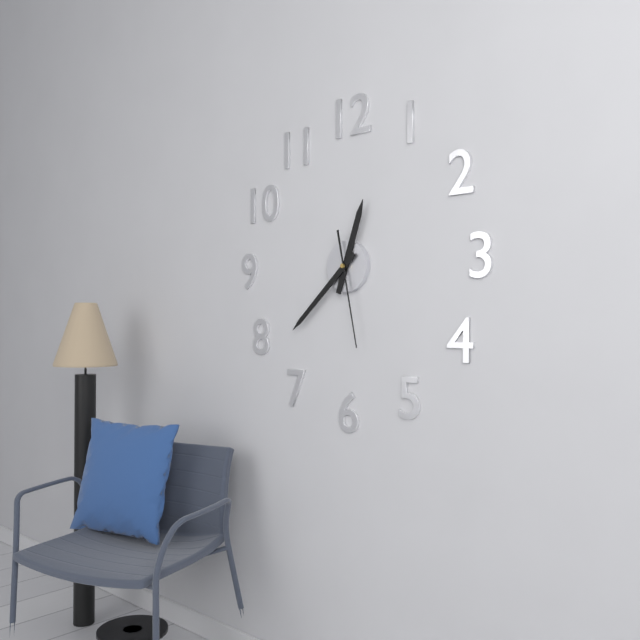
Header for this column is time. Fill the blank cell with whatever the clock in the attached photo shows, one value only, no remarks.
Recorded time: 12:38:28
